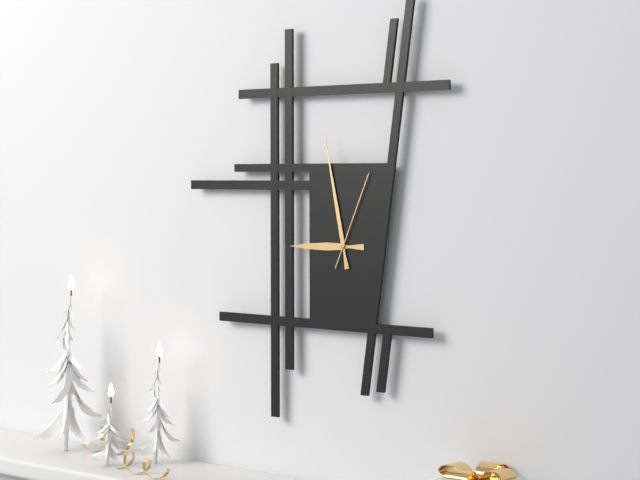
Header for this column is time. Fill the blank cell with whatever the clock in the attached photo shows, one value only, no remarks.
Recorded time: 8:58:04
